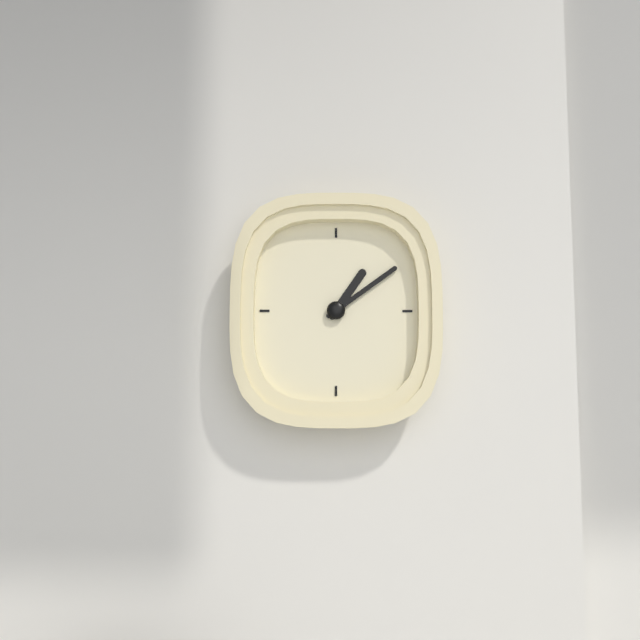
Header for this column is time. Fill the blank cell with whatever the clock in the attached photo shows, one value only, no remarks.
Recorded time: 1:09
